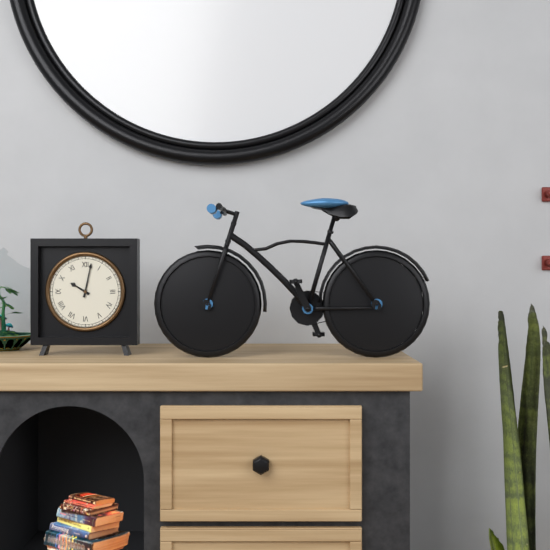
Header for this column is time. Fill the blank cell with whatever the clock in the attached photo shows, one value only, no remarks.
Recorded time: 10:02
